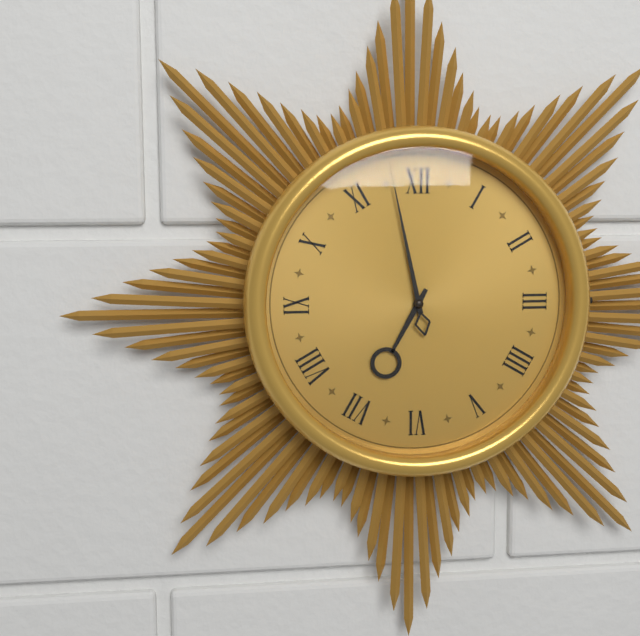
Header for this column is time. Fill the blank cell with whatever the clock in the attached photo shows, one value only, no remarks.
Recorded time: 6:58
